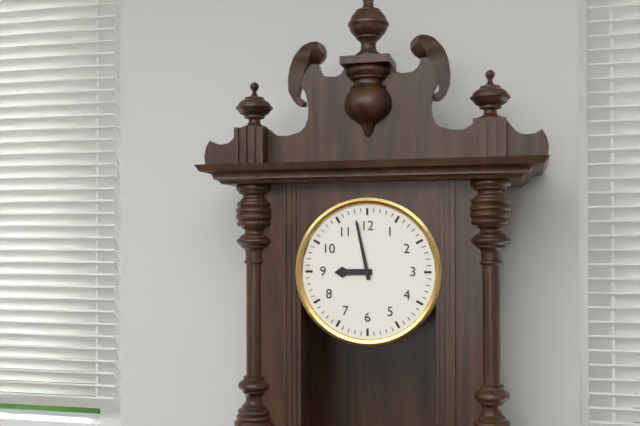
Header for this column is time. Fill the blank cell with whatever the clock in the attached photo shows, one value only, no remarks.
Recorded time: 8:58
